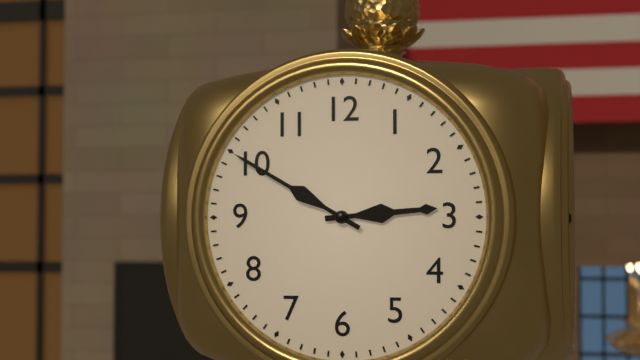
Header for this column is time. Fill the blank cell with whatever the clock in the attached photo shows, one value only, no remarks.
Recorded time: 2:50
